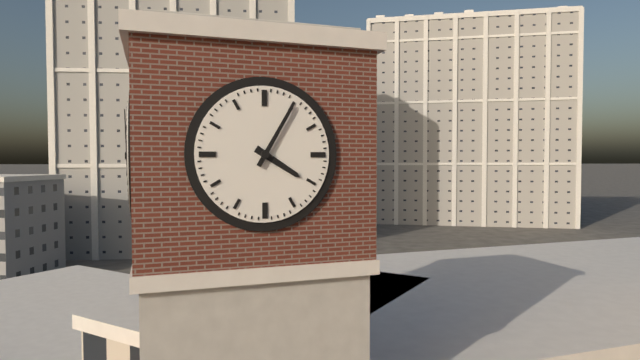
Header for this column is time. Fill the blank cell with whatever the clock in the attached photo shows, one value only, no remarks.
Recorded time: 4:05
